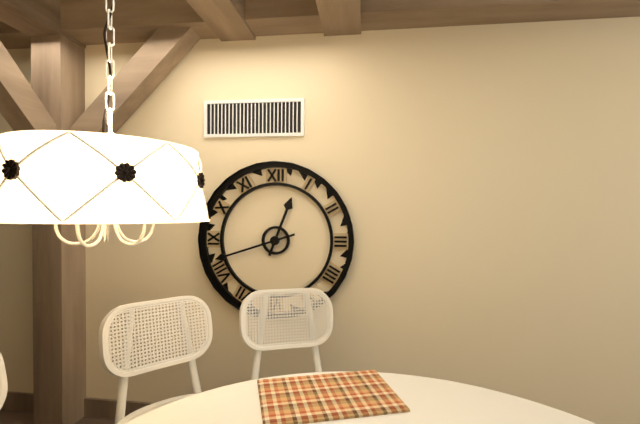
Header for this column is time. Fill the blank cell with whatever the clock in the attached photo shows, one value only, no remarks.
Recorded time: 12:42
